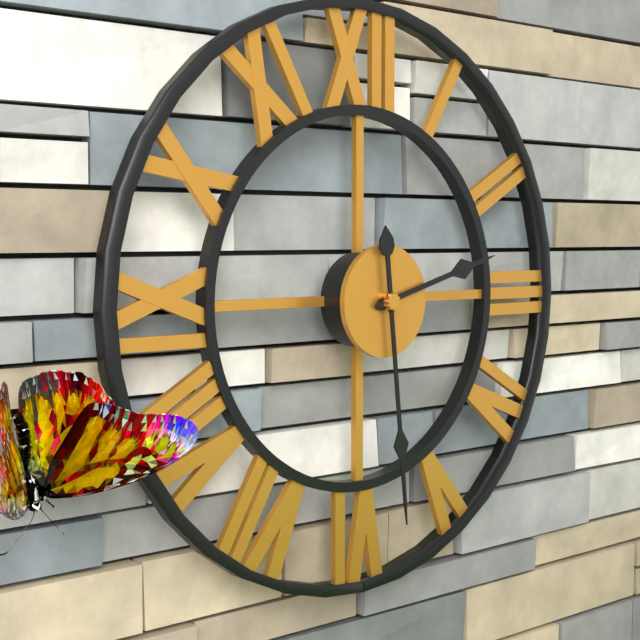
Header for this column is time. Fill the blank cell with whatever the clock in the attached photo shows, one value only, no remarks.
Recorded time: 2:29
